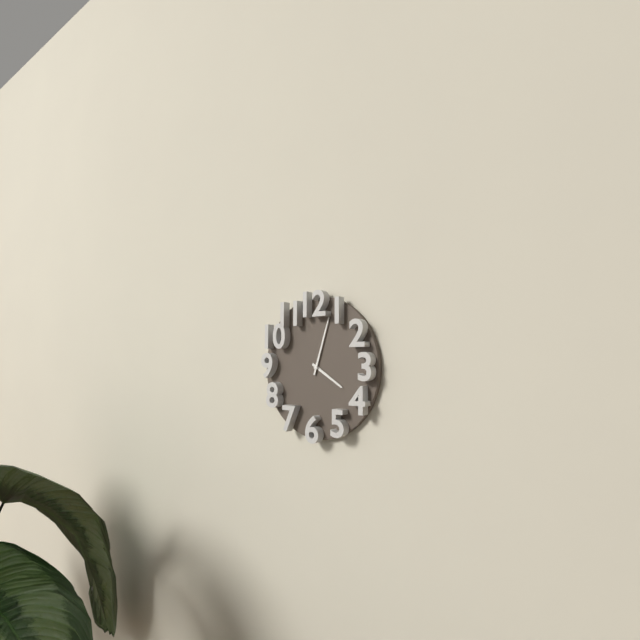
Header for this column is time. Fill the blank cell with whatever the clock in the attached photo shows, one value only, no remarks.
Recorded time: 4:03
